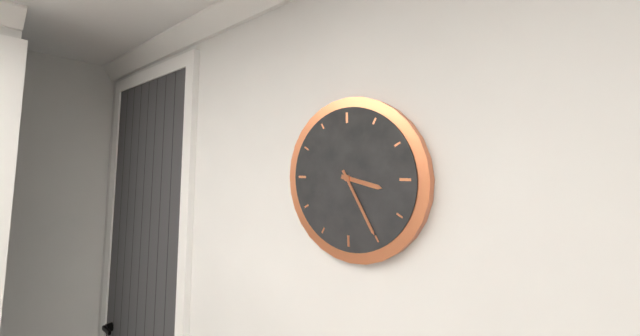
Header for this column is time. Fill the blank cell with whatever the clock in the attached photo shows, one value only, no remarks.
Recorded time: 3:25
